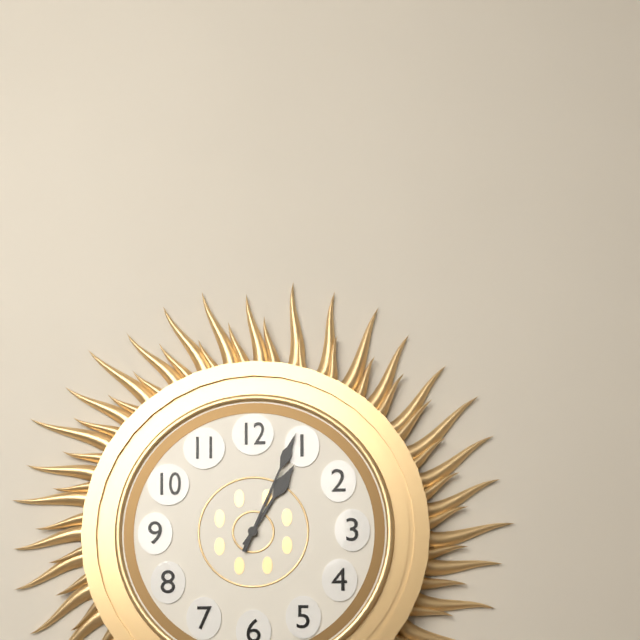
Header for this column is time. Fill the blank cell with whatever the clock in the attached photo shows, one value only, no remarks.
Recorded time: 1:04
